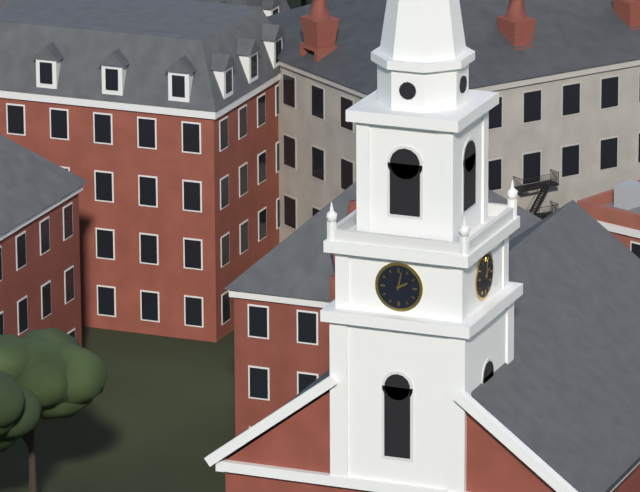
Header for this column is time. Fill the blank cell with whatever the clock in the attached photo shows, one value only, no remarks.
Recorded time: 2:02
